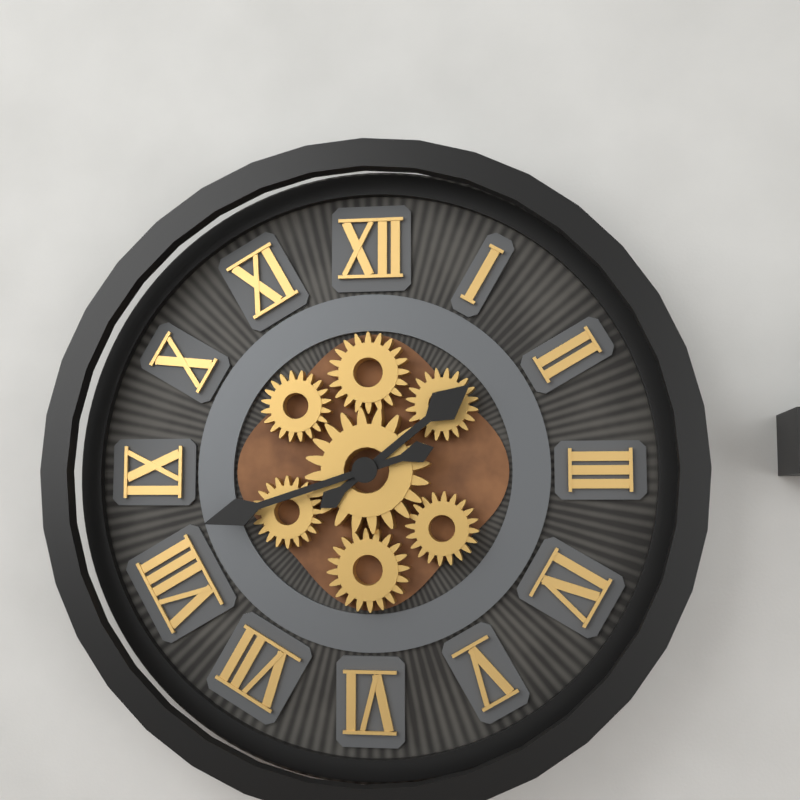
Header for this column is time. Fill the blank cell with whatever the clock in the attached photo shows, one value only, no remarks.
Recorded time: 1:42
